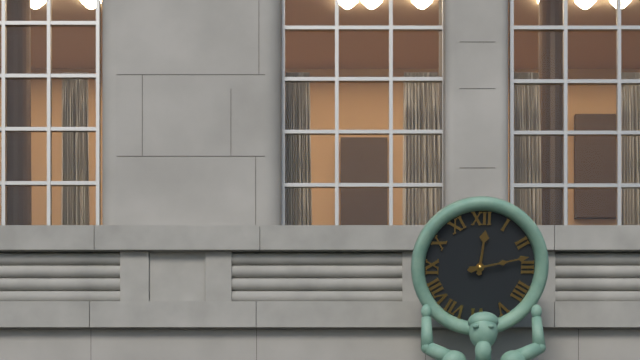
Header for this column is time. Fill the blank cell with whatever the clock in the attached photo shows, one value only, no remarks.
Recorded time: 12:13
